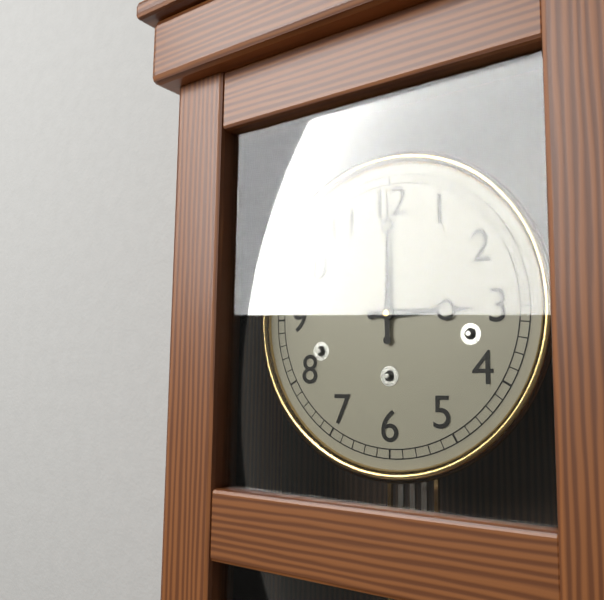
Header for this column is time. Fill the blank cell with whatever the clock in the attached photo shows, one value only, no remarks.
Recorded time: 3:00
